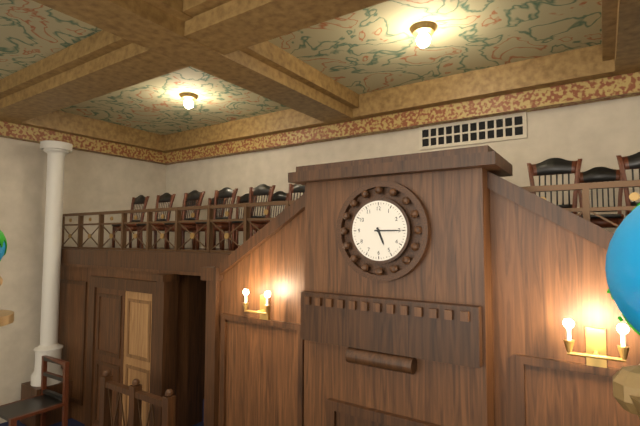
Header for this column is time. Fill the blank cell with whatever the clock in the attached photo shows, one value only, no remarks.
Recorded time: 5:15
